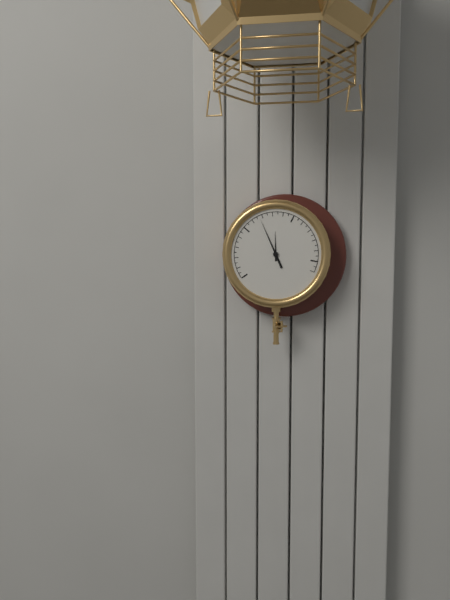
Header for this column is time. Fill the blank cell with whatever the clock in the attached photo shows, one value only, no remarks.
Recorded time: 11:56
